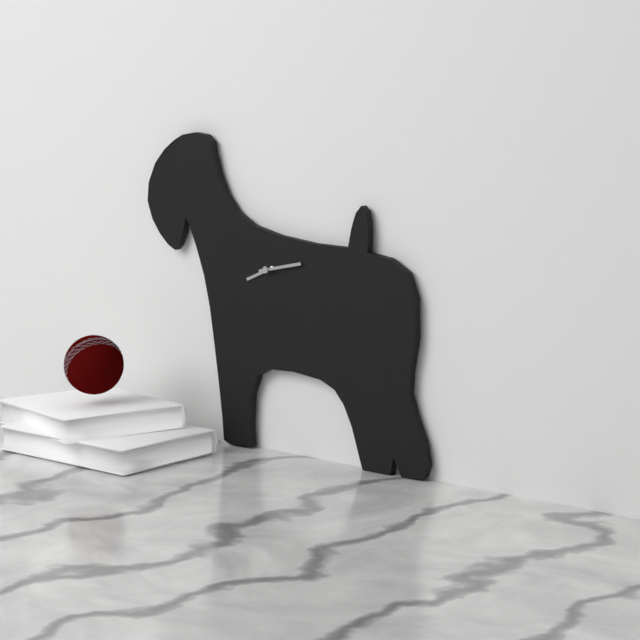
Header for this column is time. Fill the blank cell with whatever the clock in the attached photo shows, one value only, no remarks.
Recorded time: 8:13
